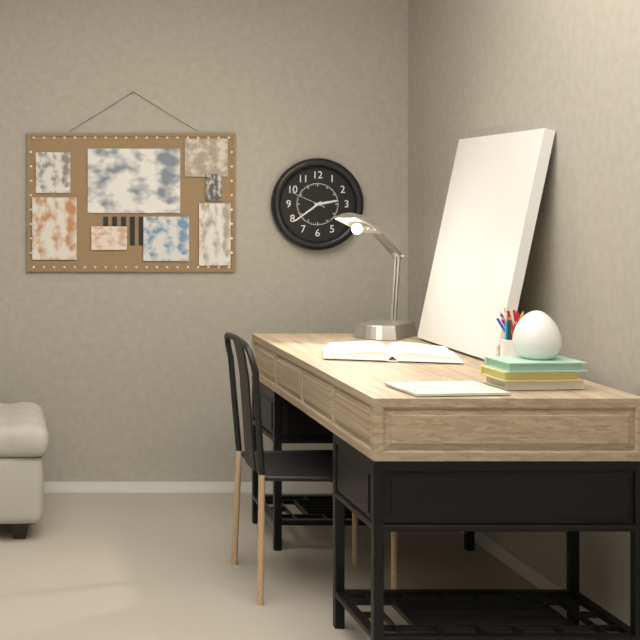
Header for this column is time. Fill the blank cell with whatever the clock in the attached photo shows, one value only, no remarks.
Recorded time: 2:39
